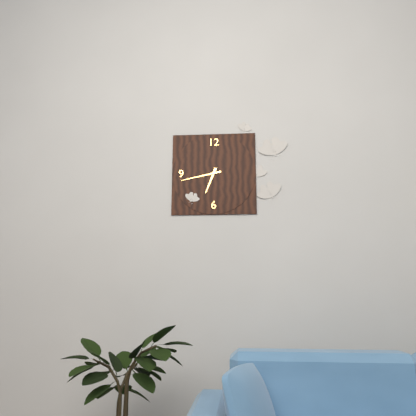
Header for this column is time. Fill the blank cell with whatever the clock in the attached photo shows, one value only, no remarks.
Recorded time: 6:43
